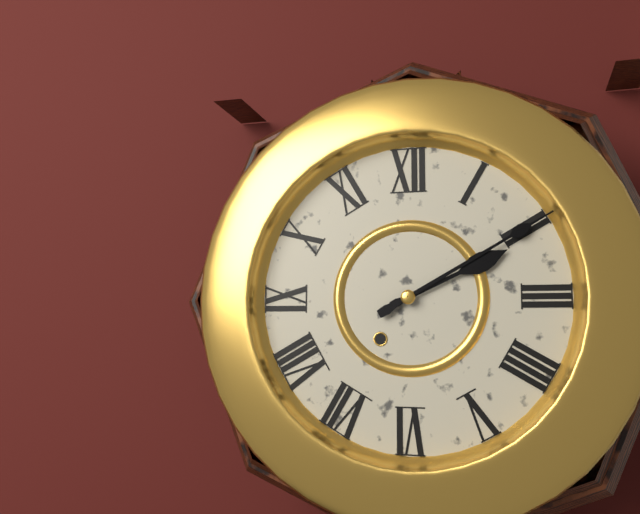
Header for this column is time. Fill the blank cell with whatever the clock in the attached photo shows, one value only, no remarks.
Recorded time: 2:10
